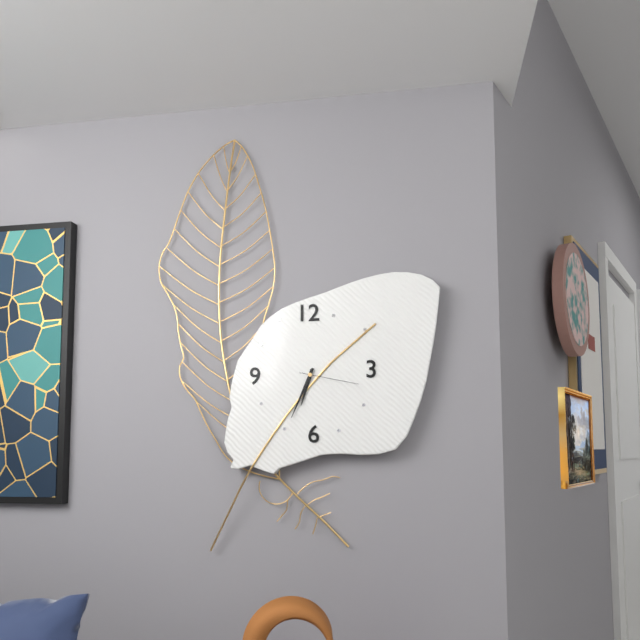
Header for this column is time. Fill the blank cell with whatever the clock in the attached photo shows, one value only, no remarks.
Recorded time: 6:34:17
